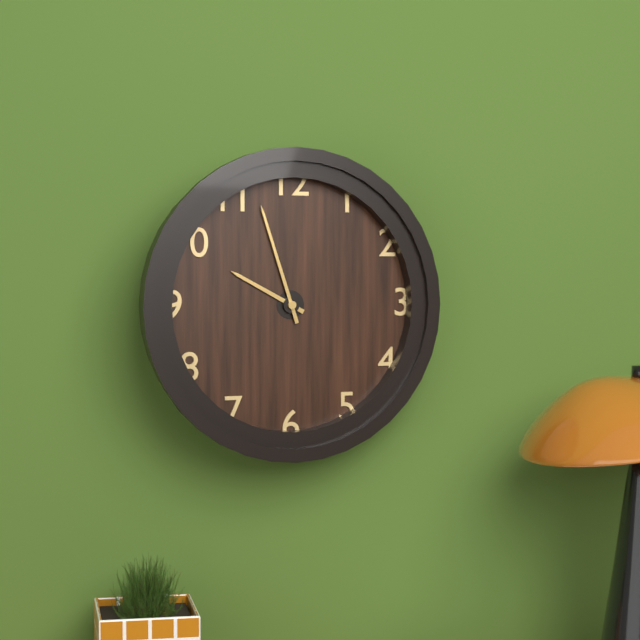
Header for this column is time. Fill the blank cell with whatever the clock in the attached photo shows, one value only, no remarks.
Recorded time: 9:57
